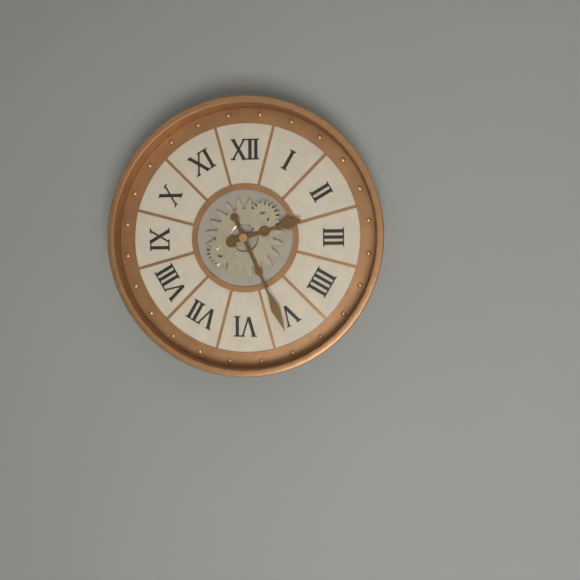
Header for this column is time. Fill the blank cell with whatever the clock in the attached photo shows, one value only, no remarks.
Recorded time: 2:26
